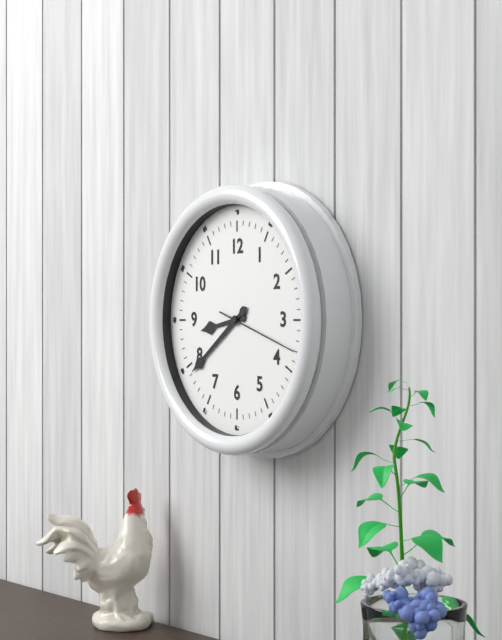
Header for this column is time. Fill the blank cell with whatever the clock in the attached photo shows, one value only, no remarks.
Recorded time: 8:39:18
